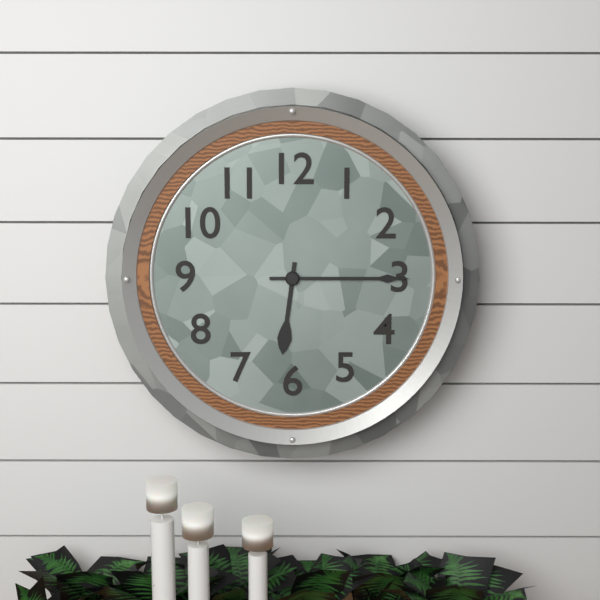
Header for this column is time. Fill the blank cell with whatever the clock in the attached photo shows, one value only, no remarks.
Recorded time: 6:15
